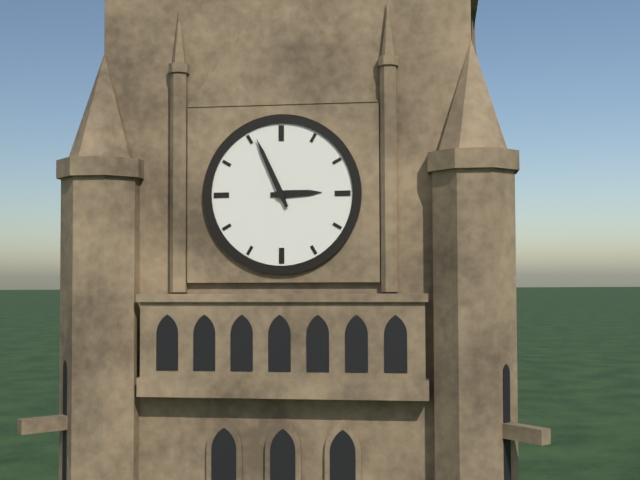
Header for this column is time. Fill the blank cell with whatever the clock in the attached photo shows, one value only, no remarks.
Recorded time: 2:56
